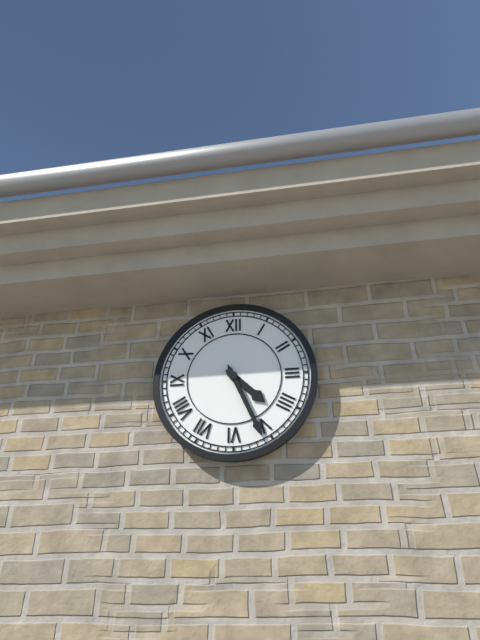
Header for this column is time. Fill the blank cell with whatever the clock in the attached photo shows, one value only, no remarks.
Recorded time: 4:26
